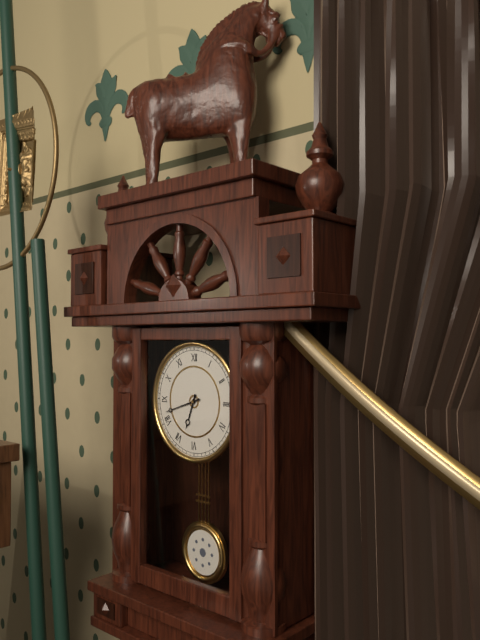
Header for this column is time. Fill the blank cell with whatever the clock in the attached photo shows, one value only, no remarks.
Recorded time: 6:42
